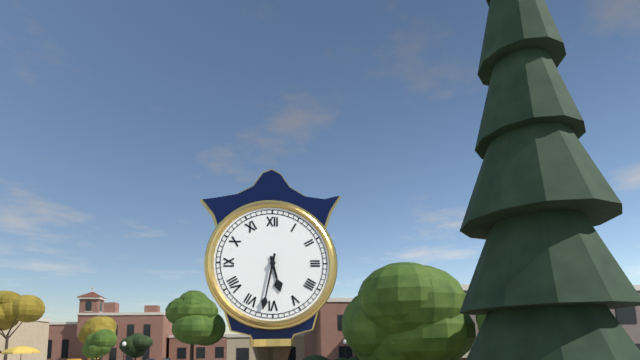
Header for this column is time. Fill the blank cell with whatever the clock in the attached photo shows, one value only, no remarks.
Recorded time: 5:32
